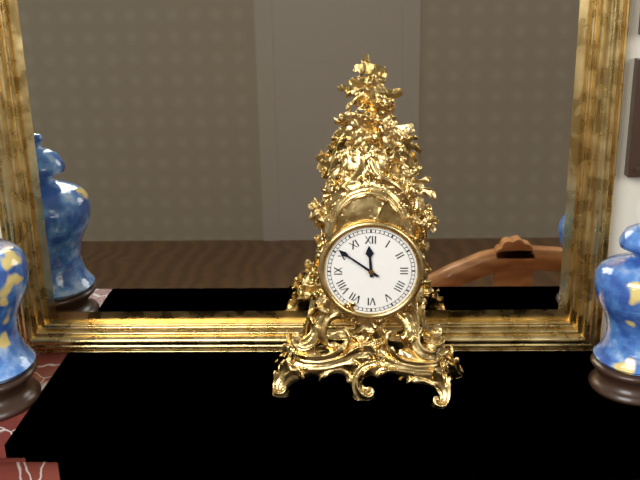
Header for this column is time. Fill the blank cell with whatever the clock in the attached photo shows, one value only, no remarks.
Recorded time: 11:51
